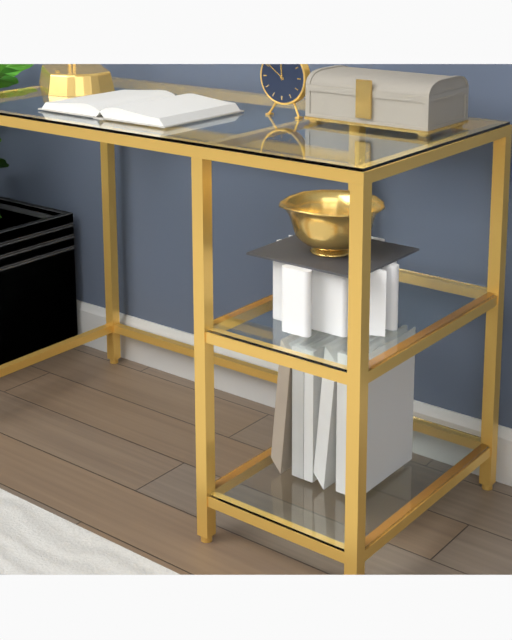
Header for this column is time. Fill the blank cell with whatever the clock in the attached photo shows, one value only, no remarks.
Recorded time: 11:51
